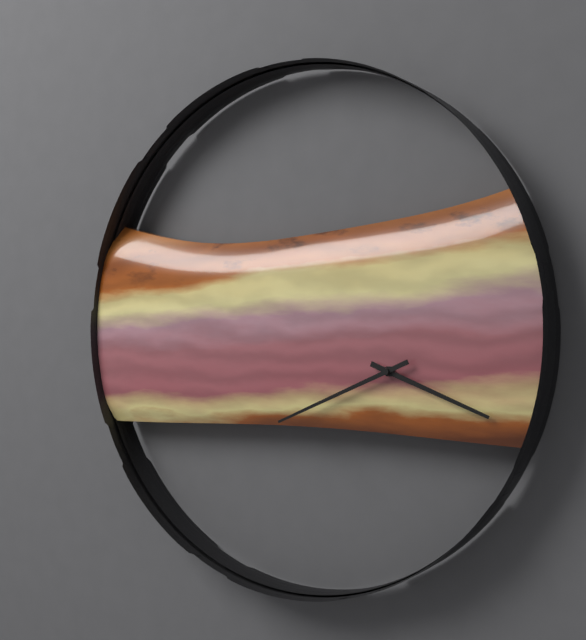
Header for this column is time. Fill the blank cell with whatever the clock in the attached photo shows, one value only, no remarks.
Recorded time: 3:41
